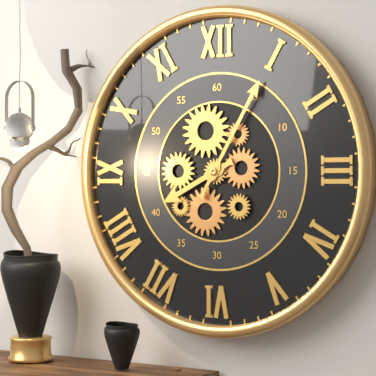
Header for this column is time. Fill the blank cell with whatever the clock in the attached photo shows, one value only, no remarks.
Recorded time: 8:05
